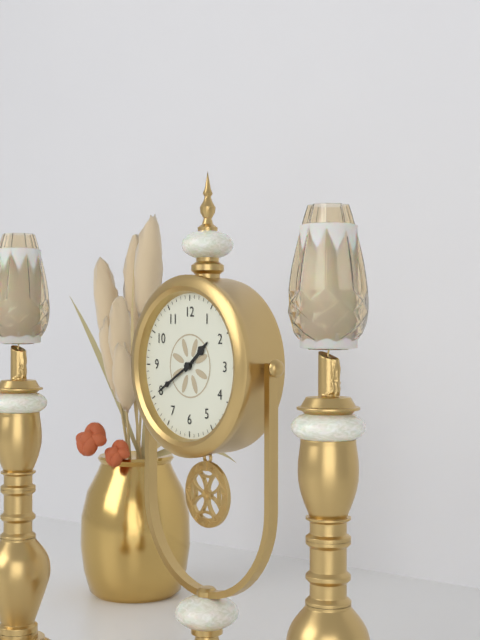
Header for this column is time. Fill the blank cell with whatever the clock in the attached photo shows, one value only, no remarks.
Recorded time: 1:40
